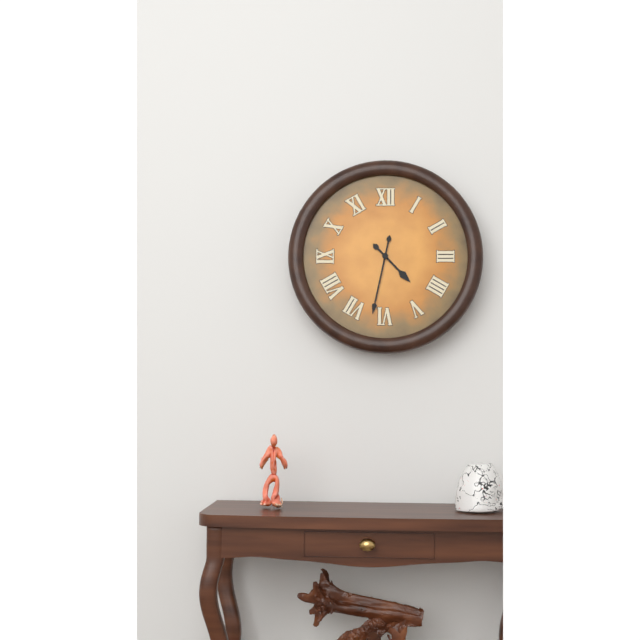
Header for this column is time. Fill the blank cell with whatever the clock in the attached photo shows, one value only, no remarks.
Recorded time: 4:32
